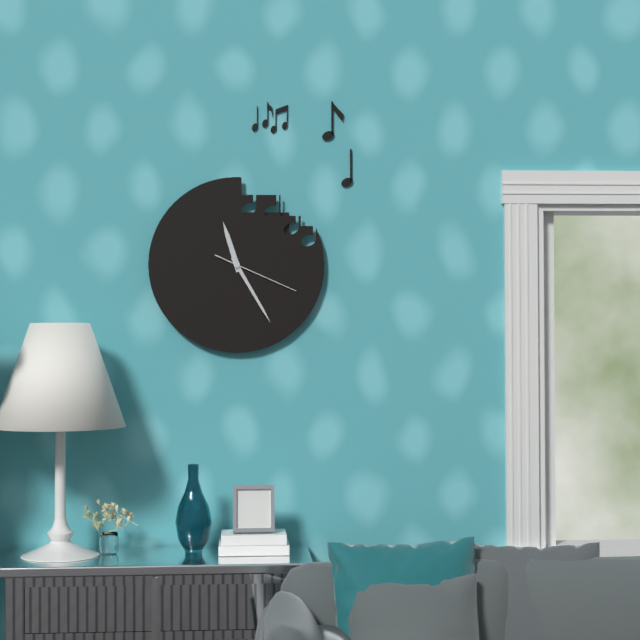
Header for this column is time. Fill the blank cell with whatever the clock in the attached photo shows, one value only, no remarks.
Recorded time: 11:25:19
